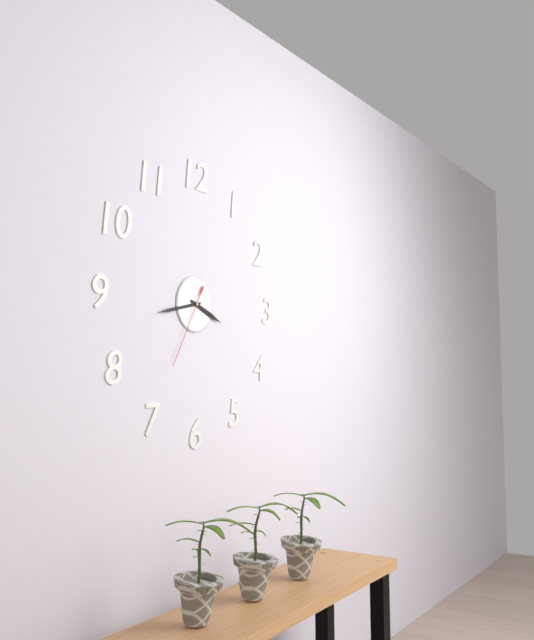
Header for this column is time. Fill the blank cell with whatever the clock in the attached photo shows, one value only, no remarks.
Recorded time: 3:43:35
